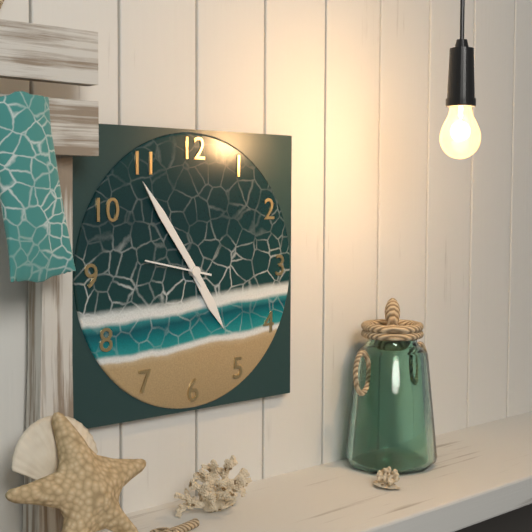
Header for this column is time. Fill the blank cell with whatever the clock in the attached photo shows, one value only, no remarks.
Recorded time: 4:54:47
